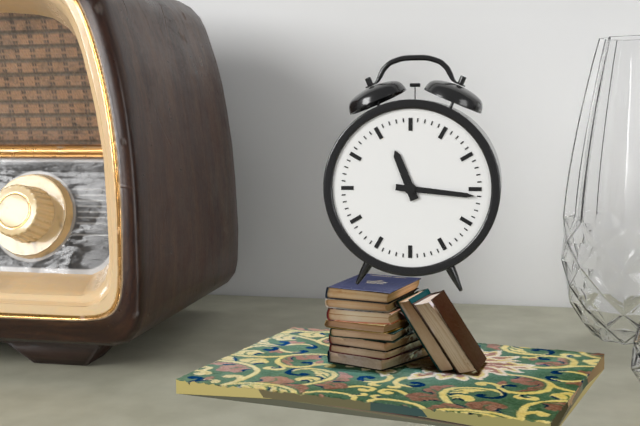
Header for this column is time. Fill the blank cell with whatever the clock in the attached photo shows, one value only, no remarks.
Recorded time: 11:16
